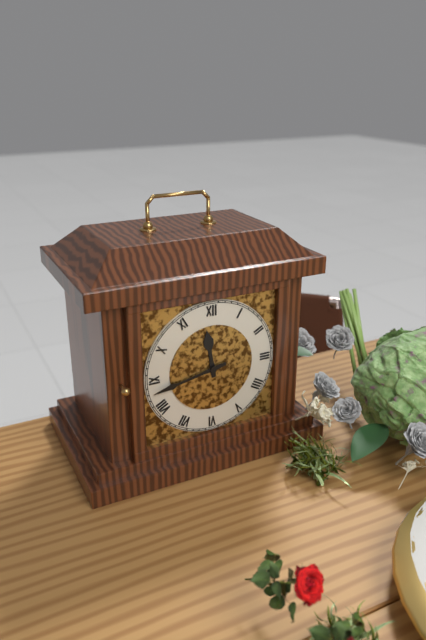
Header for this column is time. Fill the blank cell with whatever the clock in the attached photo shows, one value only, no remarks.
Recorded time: 11:43
